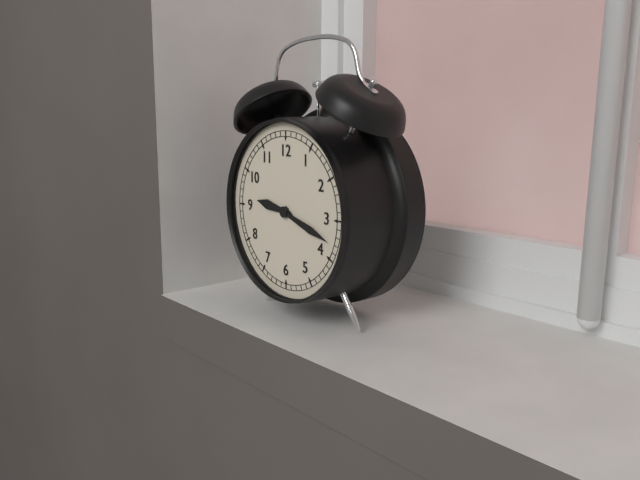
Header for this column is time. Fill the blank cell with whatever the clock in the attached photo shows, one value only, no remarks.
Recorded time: 9:18
